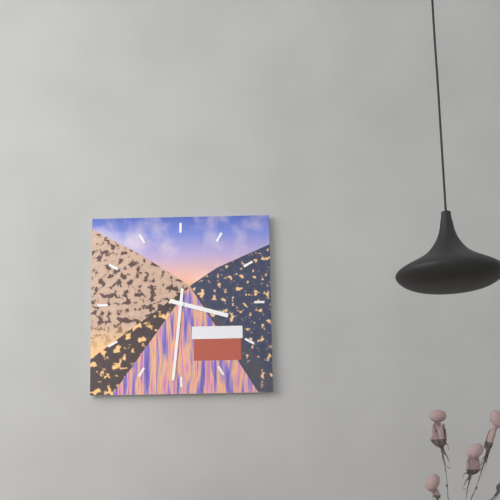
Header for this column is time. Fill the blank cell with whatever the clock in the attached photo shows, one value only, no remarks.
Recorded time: 3:31
